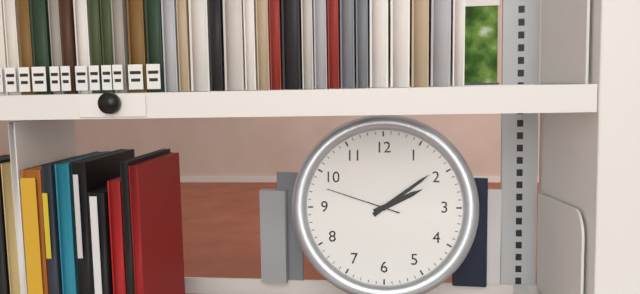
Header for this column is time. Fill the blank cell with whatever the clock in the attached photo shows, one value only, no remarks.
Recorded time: 2:09:48
